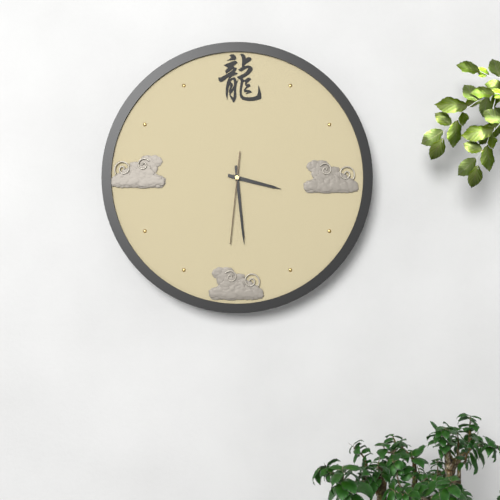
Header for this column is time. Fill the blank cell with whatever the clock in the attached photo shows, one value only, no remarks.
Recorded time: 3:29:31
